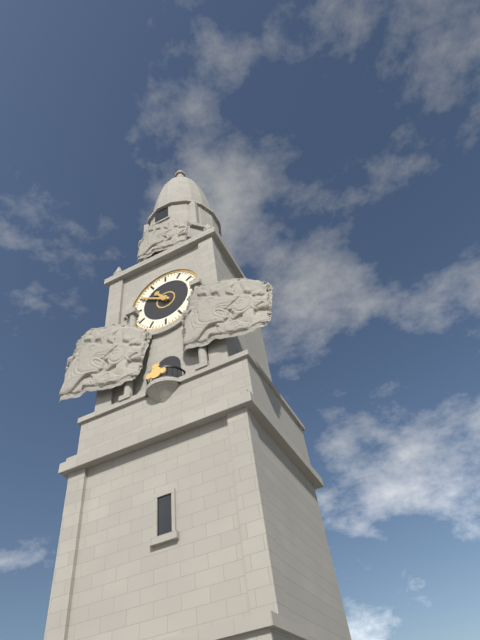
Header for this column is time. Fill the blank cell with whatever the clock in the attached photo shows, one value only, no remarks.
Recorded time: 10:50
